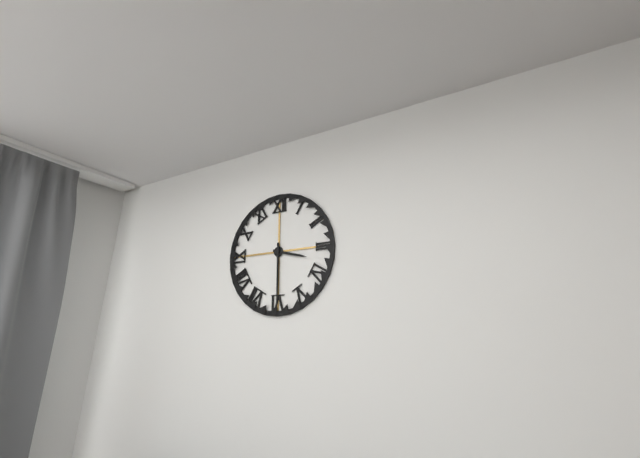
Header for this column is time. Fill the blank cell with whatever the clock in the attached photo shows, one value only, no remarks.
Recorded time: 3:30
